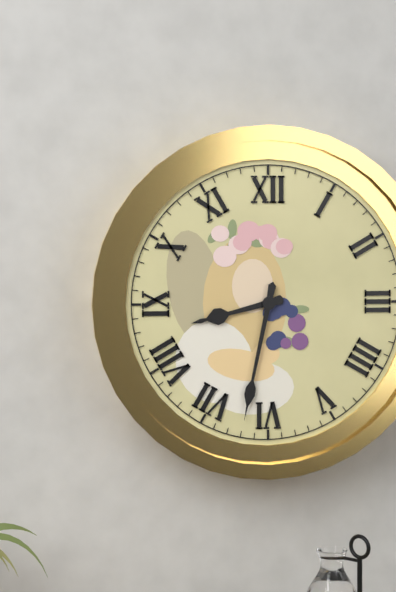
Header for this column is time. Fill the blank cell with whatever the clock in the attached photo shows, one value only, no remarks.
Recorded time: 8:32
